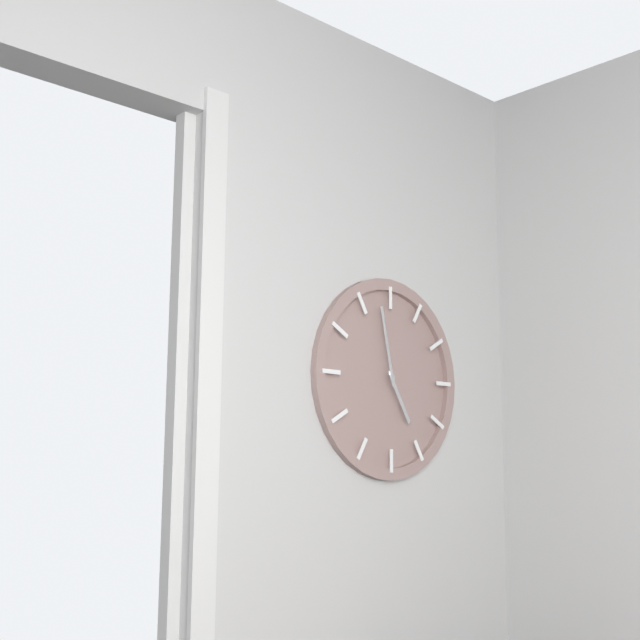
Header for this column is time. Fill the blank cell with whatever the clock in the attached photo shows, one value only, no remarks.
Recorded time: 4:58
